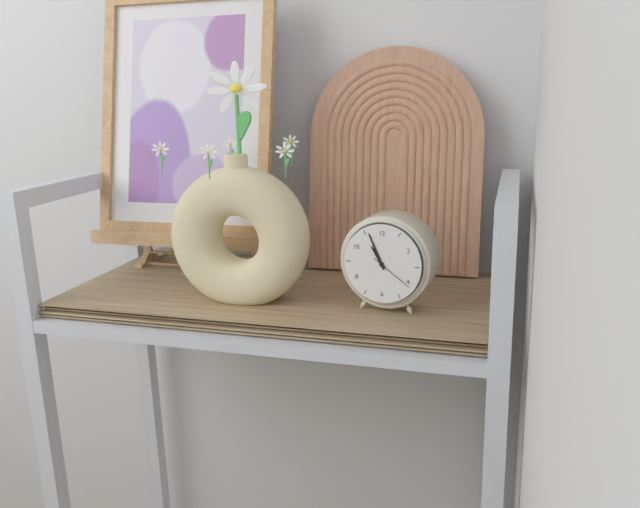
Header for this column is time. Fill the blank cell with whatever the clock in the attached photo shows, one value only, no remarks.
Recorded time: 10:56
